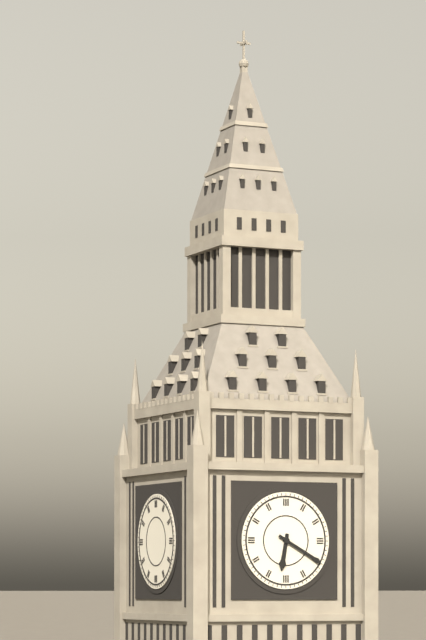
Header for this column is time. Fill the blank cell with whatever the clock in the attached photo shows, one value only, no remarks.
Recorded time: 6:20
